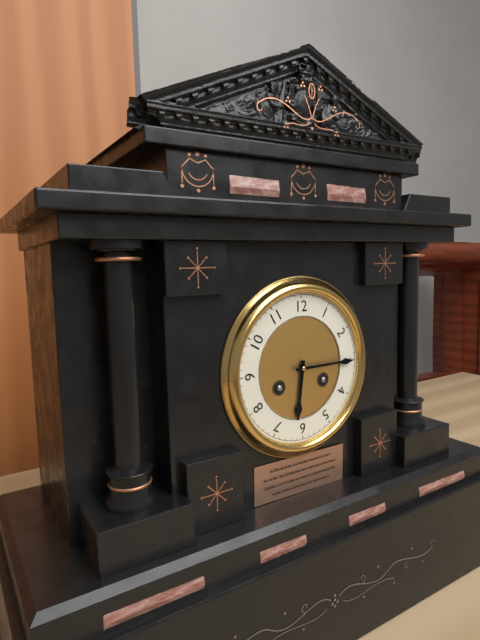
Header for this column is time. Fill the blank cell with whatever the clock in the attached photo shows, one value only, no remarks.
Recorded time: 6:15
